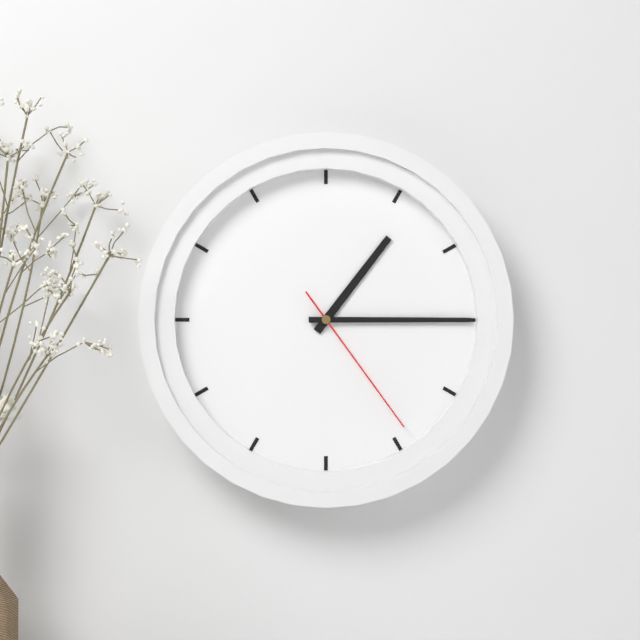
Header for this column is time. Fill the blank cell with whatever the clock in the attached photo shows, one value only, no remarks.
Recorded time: 1:15:24
